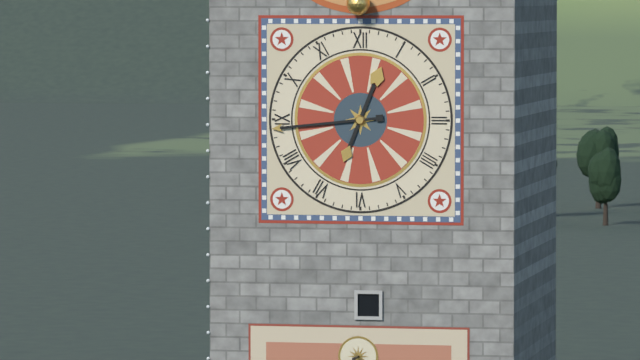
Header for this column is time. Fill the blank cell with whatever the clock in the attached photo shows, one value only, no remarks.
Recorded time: 12:44
